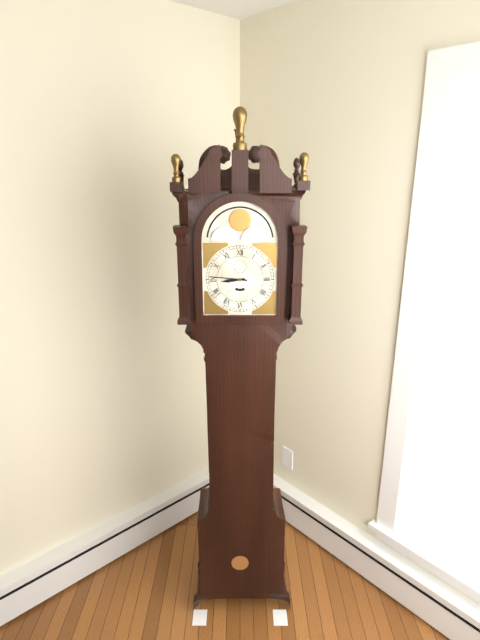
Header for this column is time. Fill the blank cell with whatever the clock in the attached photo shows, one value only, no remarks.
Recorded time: 8:46
